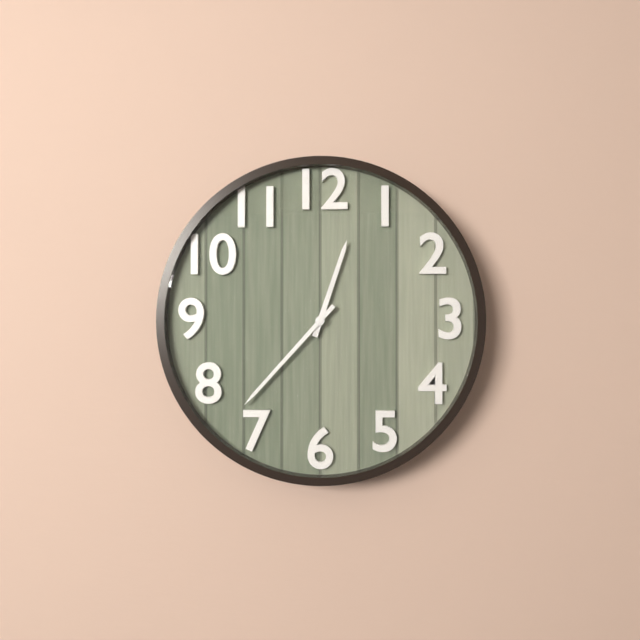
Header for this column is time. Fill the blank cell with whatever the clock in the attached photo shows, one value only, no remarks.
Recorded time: 12:37
